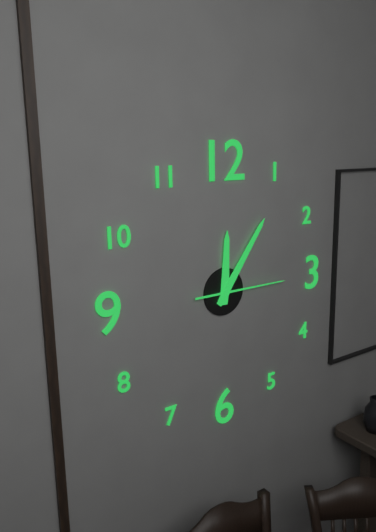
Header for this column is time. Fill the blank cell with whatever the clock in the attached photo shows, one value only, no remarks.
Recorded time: 12:06:15
